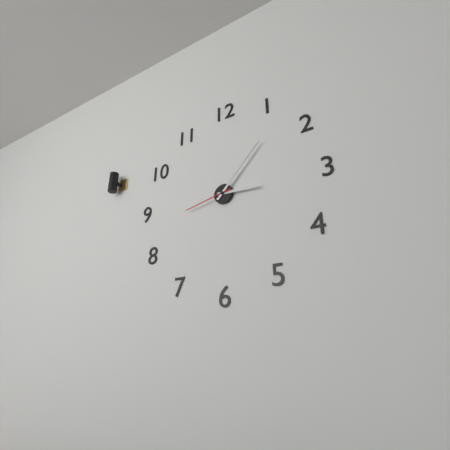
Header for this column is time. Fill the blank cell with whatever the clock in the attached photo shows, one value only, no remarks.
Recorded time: 3:07:43
